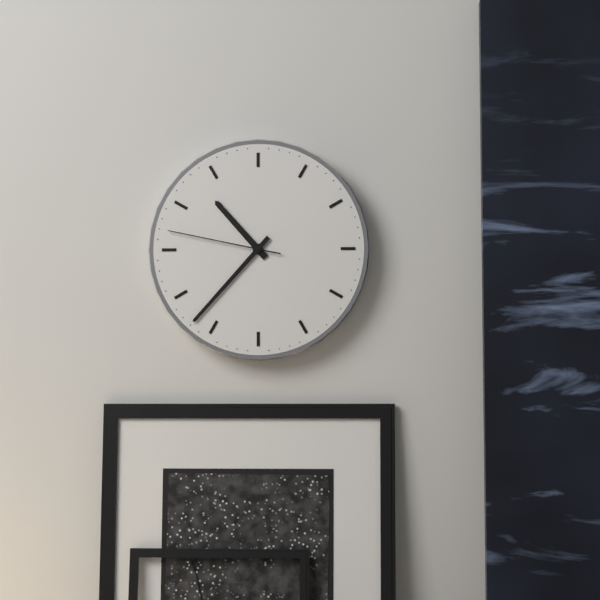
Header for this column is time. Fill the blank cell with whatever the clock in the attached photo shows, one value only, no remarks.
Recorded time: 10:37:47
